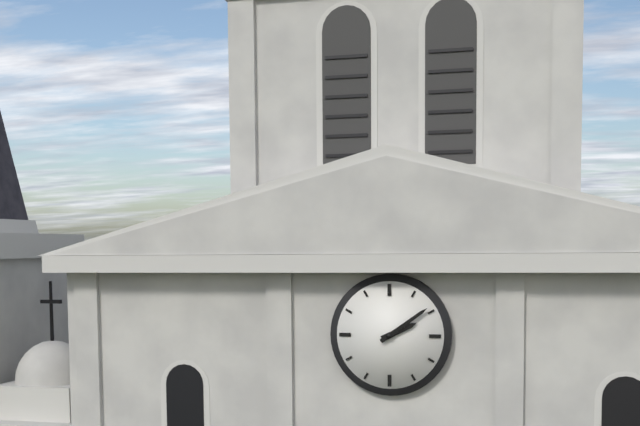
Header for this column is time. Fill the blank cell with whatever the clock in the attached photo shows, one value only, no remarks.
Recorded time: 2:09
